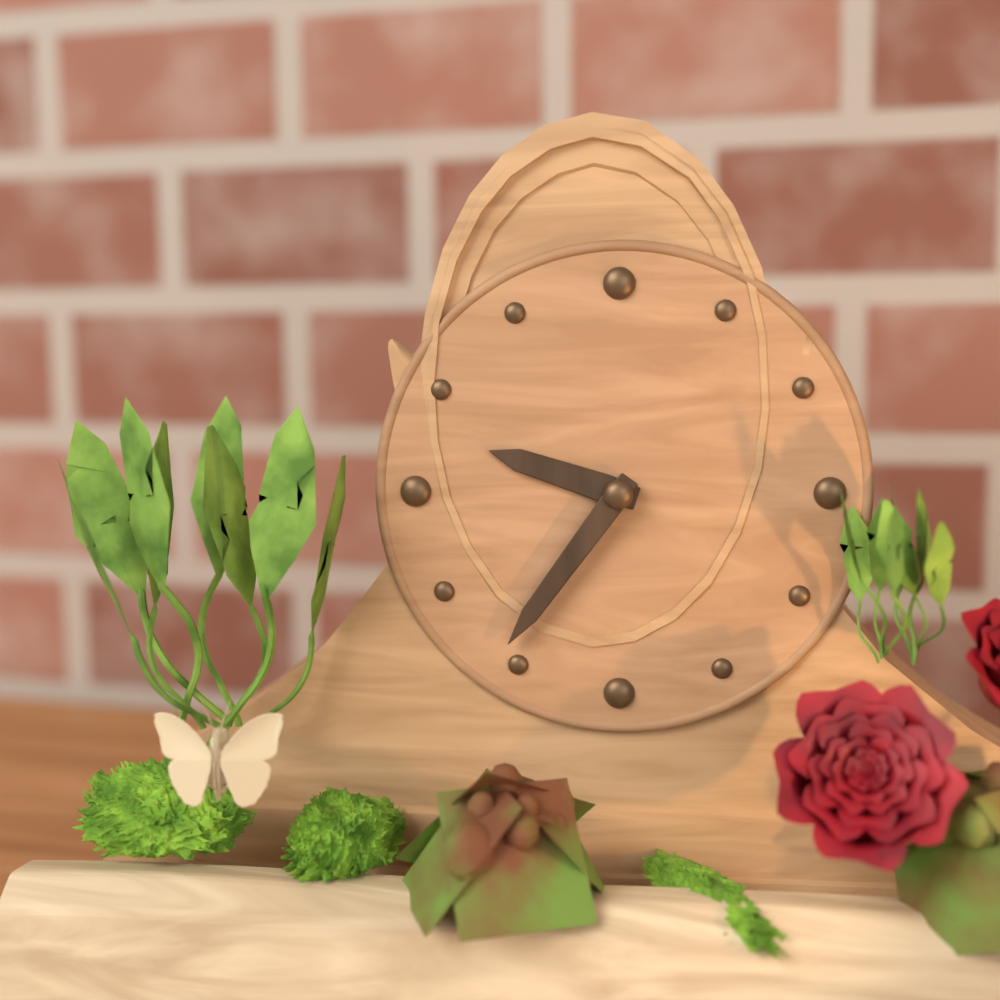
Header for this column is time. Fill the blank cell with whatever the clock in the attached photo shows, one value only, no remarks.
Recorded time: 9:36
